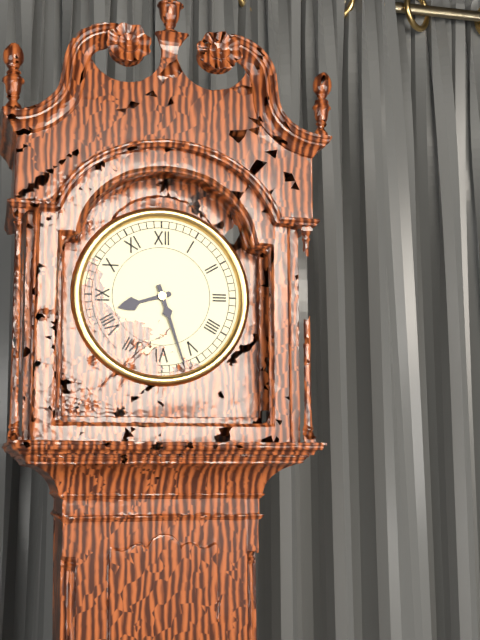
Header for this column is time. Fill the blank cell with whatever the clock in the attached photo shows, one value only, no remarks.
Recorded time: 8:27
